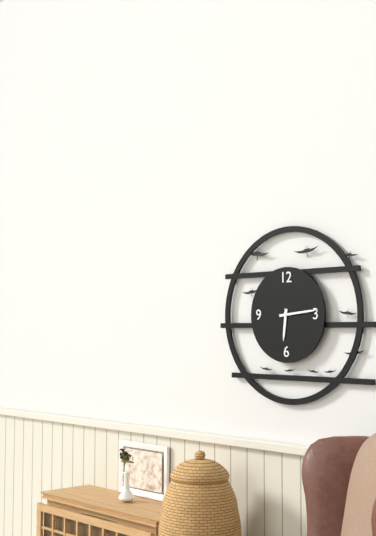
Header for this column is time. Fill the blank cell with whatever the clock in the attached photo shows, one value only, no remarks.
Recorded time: 6:14
